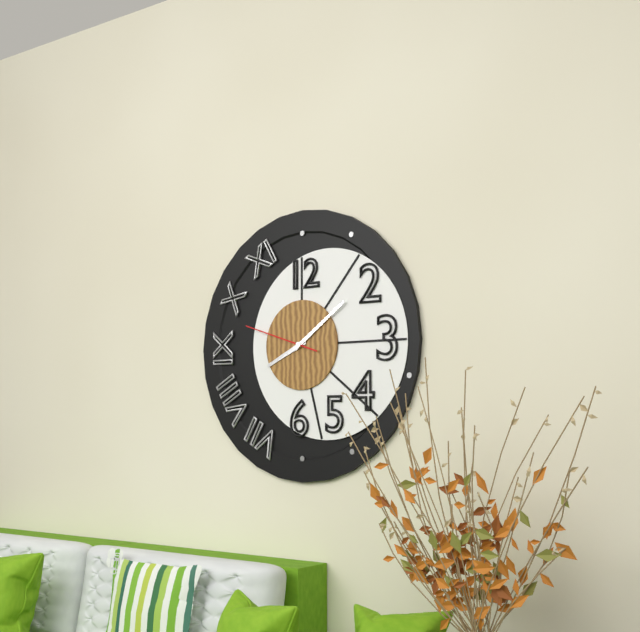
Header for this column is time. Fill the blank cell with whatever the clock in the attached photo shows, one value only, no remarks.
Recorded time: 8:09:48
